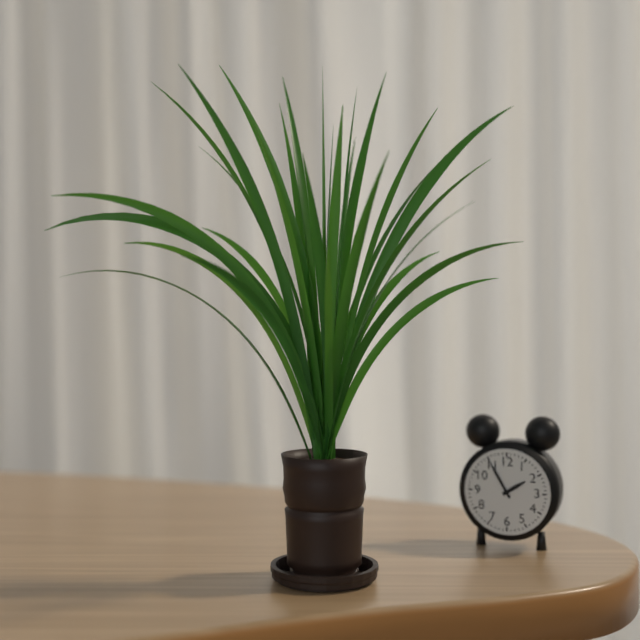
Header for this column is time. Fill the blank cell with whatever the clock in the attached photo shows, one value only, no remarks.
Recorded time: 1:55
